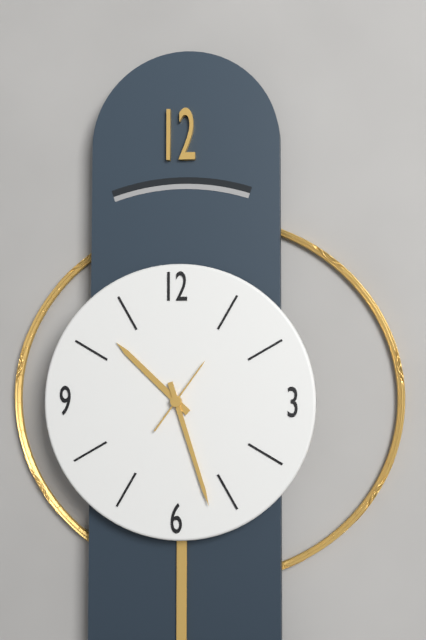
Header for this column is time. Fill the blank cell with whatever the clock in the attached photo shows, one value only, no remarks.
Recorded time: 10:27:06
